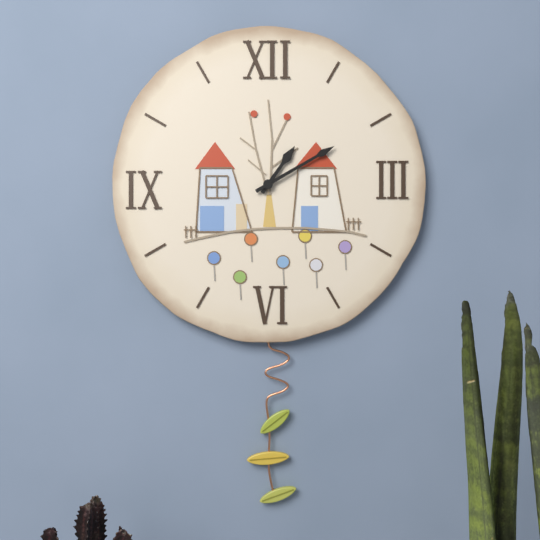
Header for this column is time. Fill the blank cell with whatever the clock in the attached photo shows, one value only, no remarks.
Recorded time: 1:10
